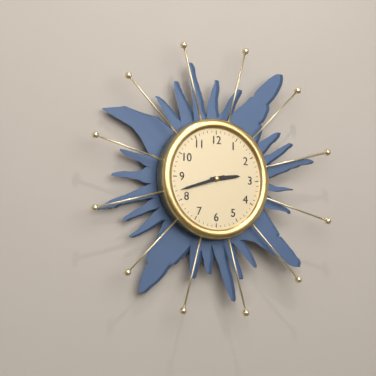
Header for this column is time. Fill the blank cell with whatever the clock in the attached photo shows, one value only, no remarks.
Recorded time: 2:42
